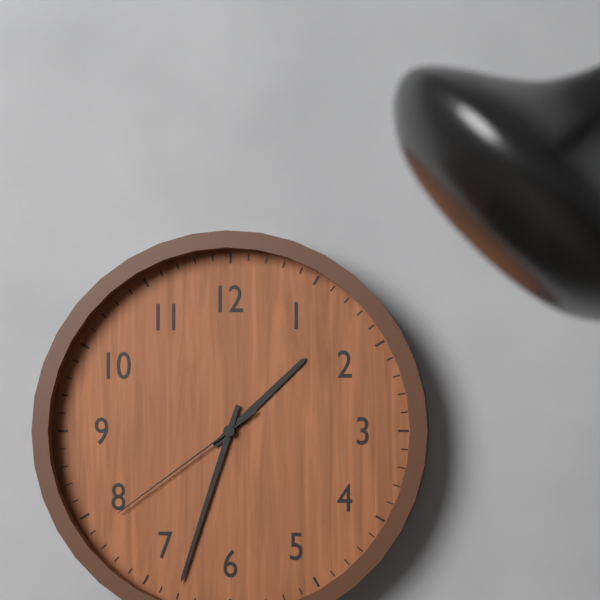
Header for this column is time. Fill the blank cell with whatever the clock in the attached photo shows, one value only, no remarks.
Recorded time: 1:33:39
